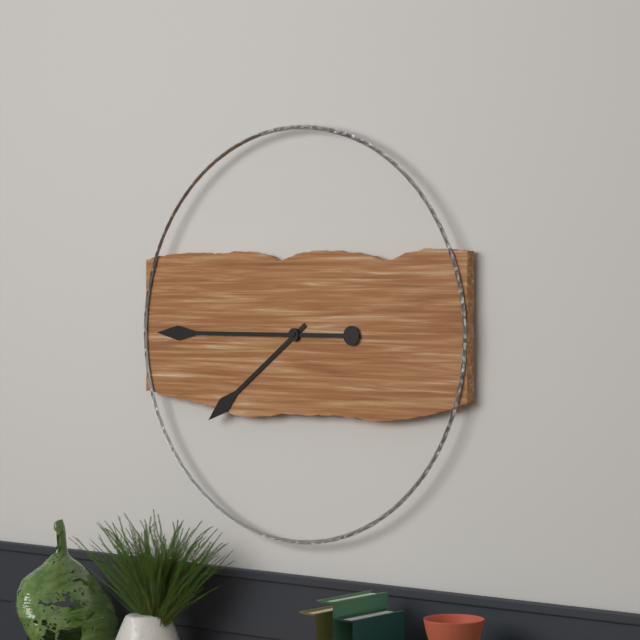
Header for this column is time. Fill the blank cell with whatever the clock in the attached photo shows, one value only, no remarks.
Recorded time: 7:45
